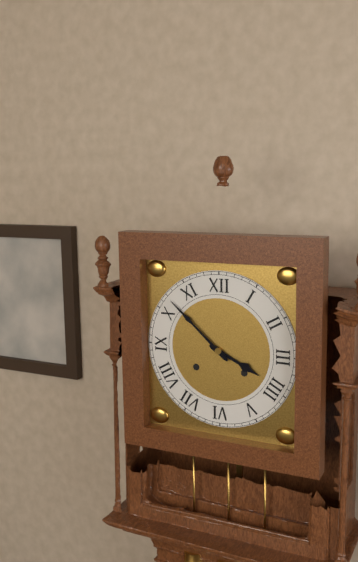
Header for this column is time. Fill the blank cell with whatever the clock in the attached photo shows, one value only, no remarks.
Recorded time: 3:52
